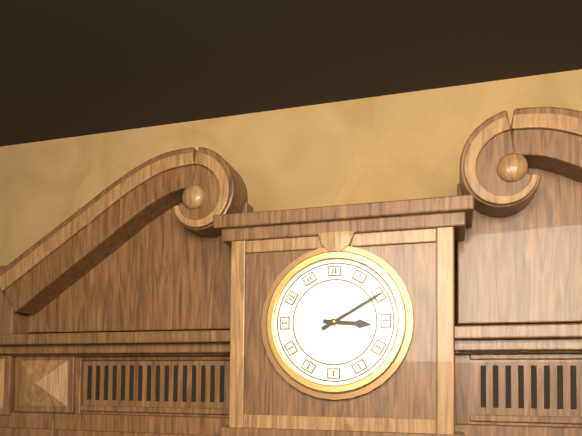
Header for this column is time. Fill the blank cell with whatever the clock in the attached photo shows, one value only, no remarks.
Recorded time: 3:10
